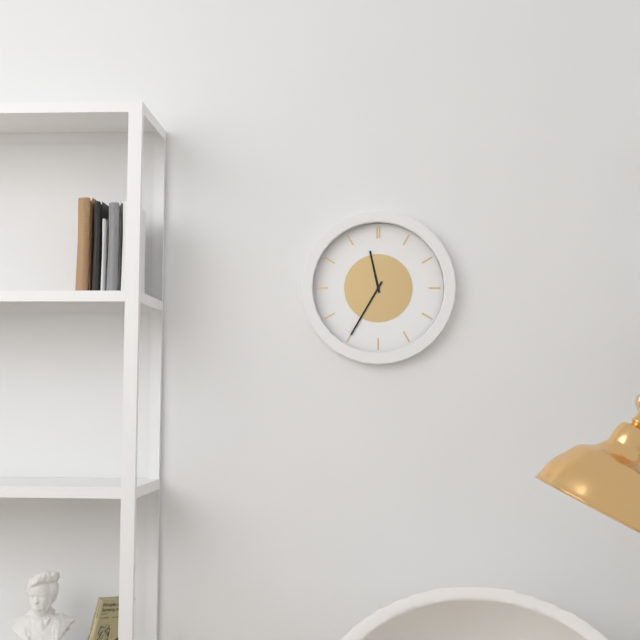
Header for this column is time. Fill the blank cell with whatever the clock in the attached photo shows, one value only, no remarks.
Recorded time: 11:35
